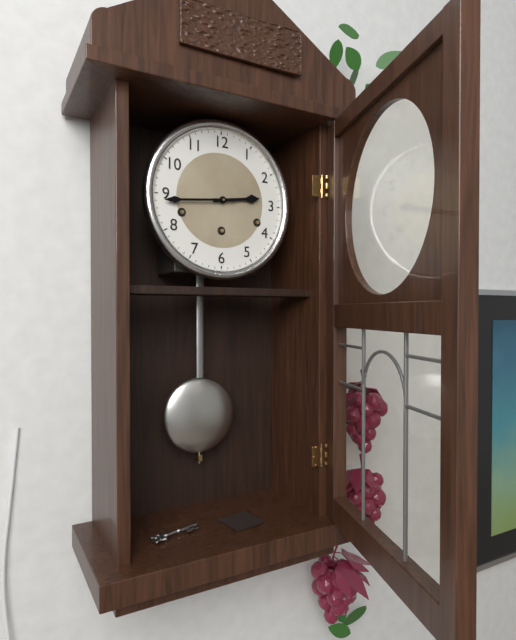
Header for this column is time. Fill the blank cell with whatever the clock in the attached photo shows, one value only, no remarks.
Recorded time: 2:44
